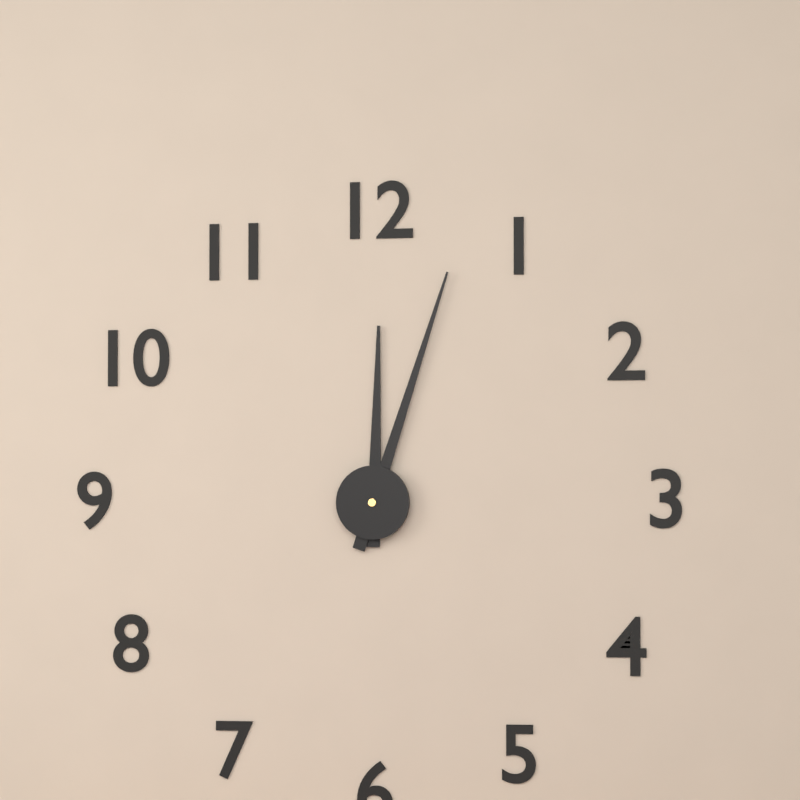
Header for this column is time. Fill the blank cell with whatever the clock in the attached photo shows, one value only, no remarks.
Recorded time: 12:03
